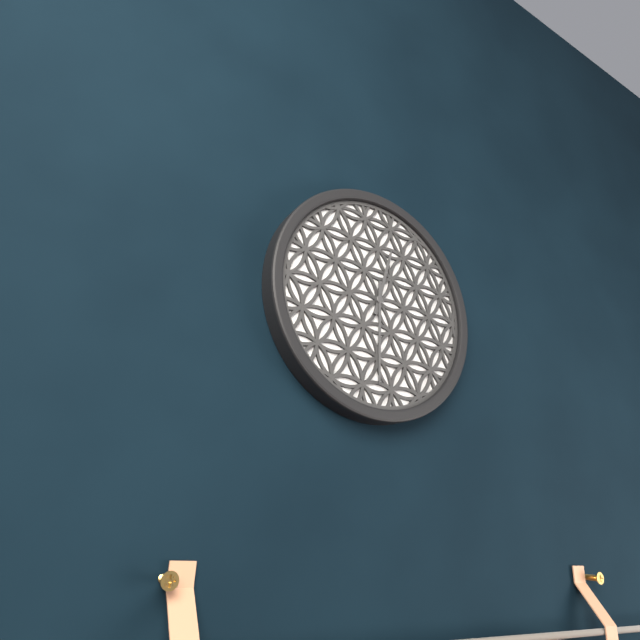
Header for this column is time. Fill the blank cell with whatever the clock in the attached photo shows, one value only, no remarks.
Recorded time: 12:30
